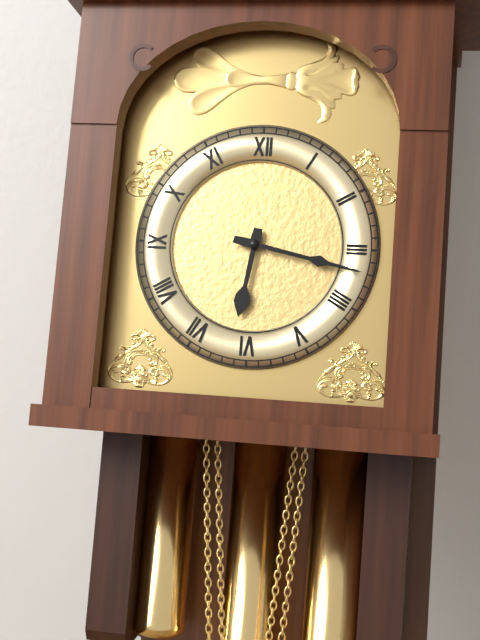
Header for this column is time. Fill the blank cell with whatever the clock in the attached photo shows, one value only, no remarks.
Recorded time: 6:17
